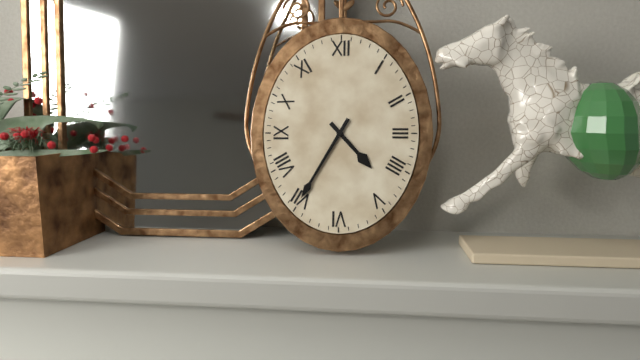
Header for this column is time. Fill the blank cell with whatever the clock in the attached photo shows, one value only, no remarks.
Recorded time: 4:35
